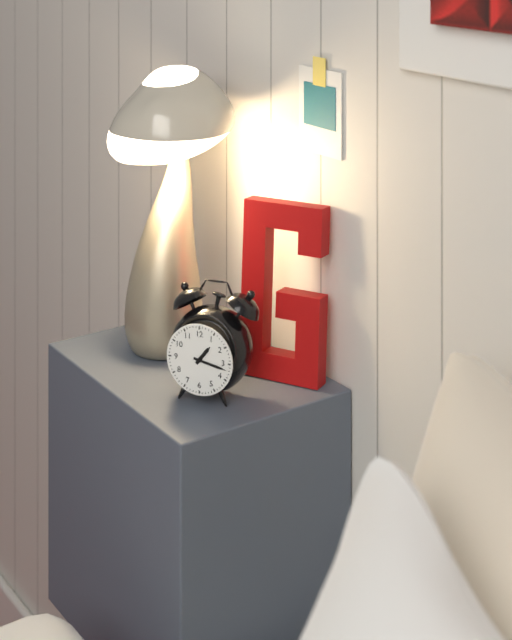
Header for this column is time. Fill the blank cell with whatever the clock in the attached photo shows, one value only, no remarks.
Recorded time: 1:17
